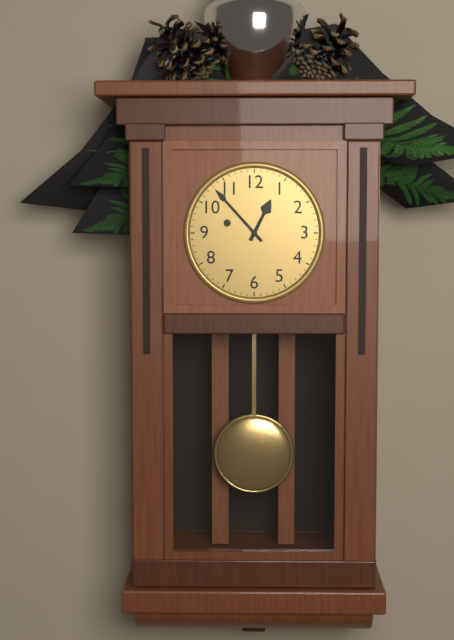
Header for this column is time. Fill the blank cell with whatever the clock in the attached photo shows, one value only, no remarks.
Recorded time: 12:53
